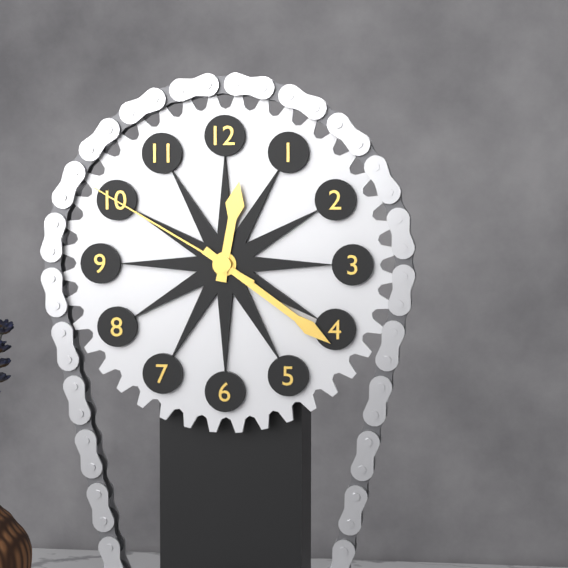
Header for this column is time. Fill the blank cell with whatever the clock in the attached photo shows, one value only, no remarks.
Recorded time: 12:21:50
